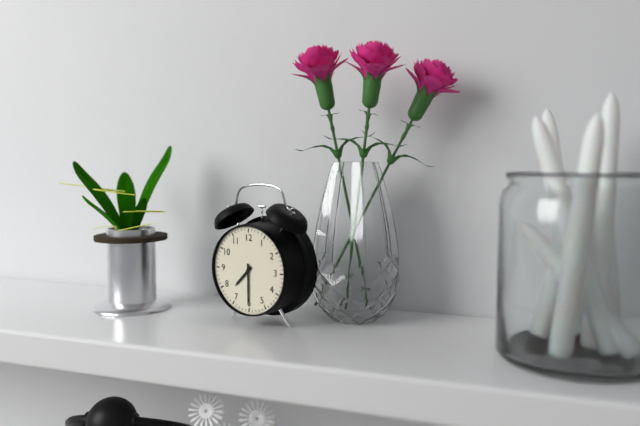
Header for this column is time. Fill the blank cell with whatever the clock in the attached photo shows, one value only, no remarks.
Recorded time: 7:30
